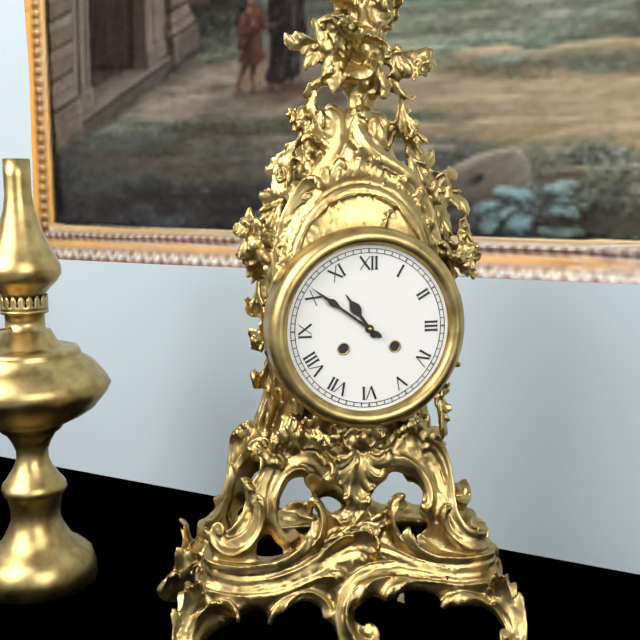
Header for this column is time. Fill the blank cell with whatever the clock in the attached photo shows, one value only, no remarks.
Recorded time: 10:51
